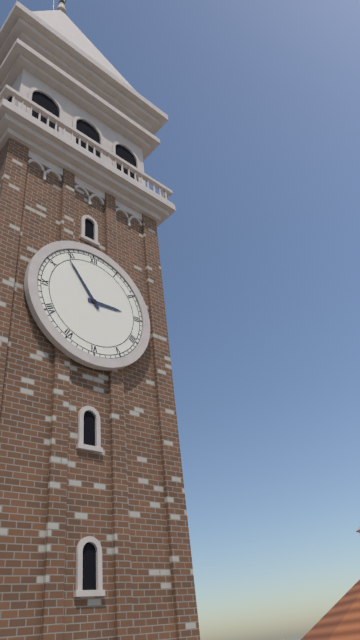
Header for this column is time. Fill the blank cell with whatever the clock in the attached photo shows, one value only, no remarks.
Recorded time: 2:54
